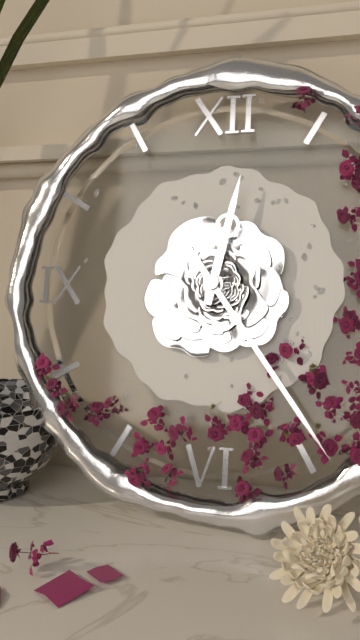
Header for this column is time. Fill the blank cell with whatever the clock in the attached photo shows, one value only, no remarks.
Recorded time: 12:24
